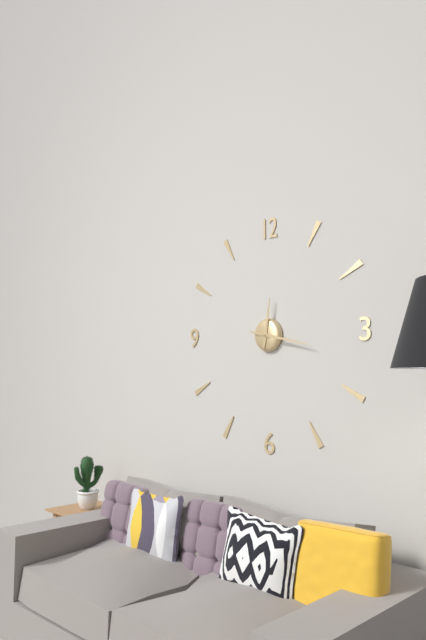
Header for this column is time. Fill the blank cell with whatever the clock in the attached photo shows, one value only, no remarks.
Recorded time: 12:17
